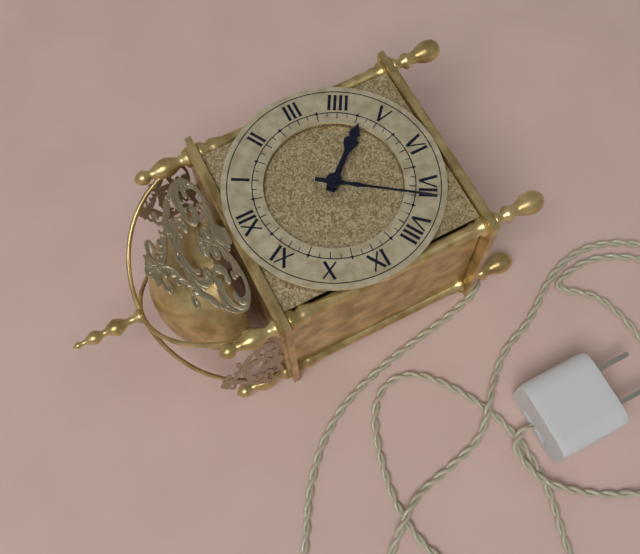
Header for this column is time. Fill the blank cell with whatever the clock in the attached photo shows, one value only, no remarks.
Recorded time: 4:36
